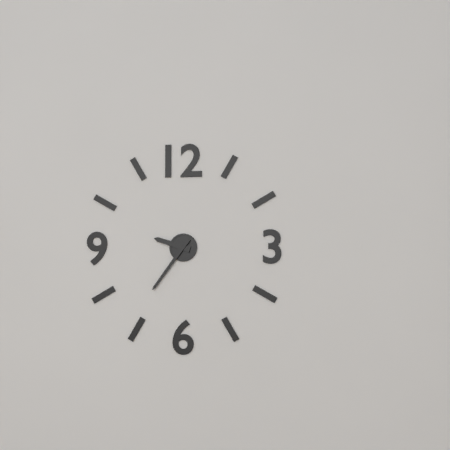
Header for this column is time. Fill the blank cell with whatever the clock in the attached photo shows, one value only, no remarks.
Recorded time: 9:36
